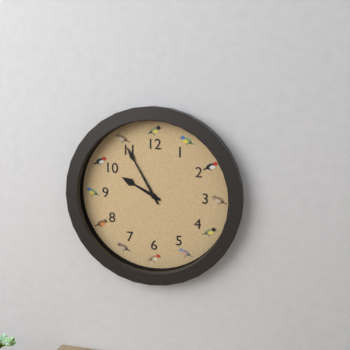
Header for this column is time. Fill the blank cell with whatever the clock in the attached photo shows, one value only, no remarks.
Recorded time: 9:55
